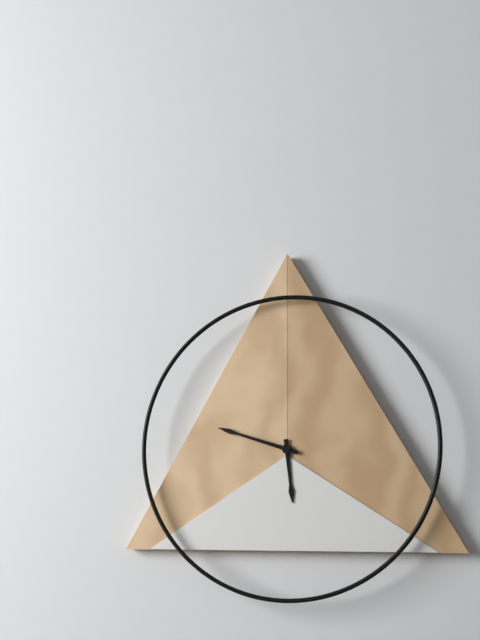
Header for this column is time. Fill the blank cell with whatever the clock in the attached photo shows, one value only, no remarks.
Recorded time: 5:48
